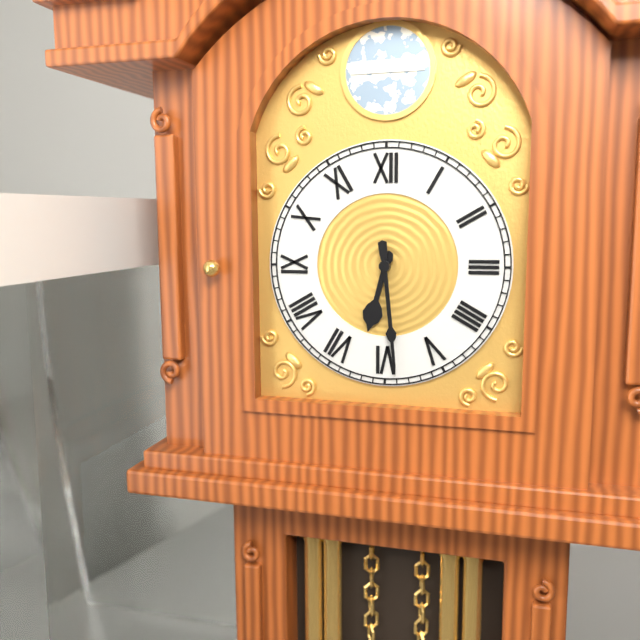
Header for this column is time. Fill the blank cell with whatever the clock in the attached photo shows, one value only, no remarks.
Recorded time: 6:29
